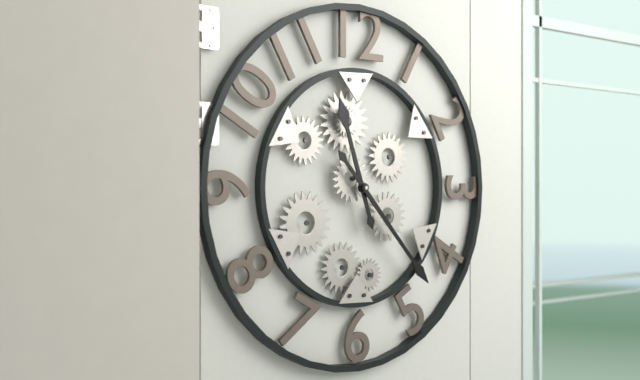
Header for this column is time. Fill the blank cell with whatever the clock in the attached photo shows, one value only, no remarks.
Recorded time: 11:23
